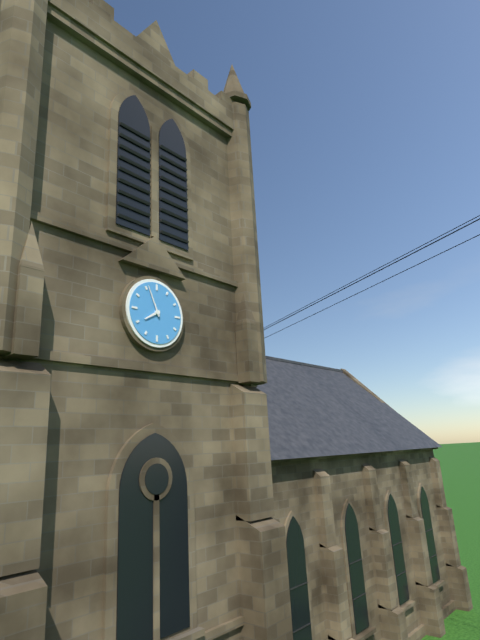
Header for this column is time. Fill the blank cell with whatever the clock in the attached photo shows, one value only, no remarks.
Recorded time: 7:56
